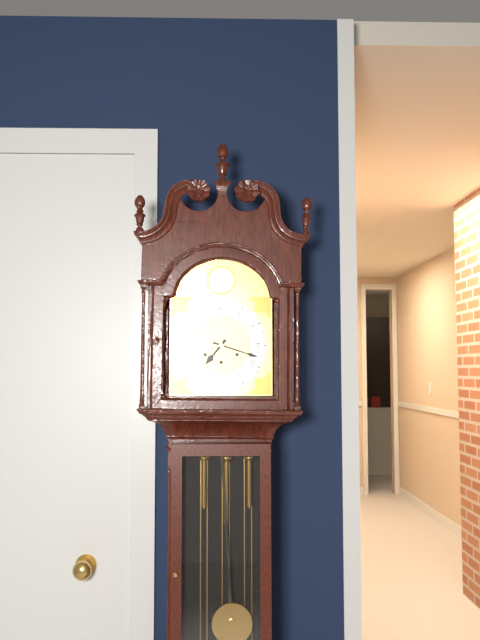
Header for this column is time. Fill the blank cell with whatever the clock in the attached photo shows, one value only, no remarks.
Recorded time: 7:18
